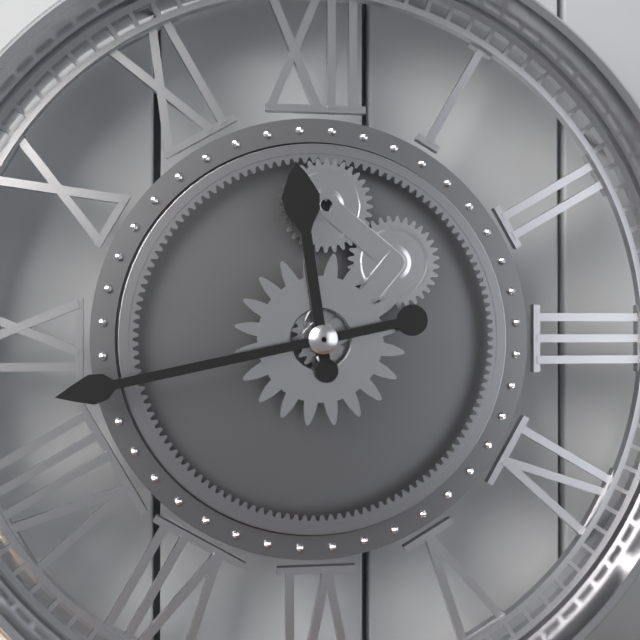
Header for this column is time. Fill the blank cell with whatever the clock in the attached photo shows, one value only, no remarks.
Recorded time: 11:43
